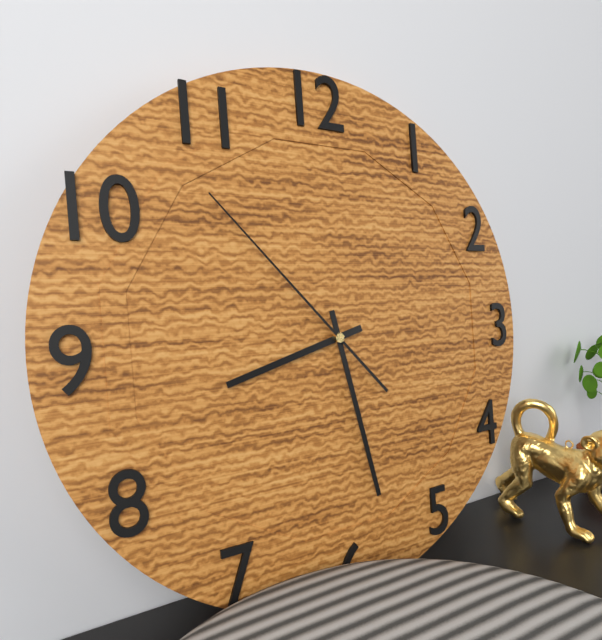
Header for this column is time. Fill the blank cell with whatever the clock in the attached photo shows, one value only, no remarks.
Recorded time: 8:28:53
